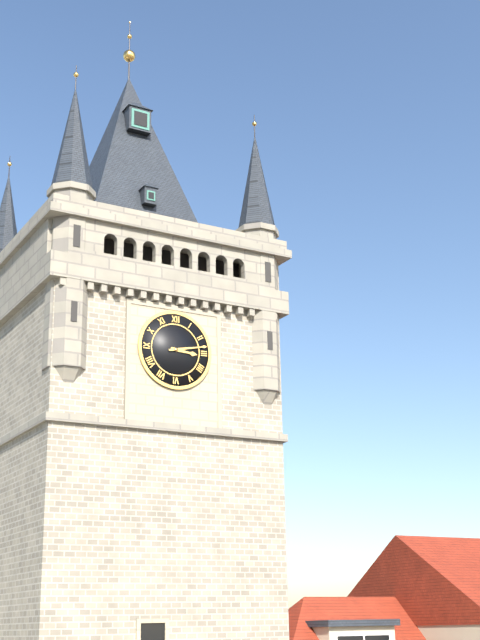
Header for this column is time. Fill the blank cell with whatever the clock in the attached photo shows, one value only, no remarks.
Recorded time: 3:13
